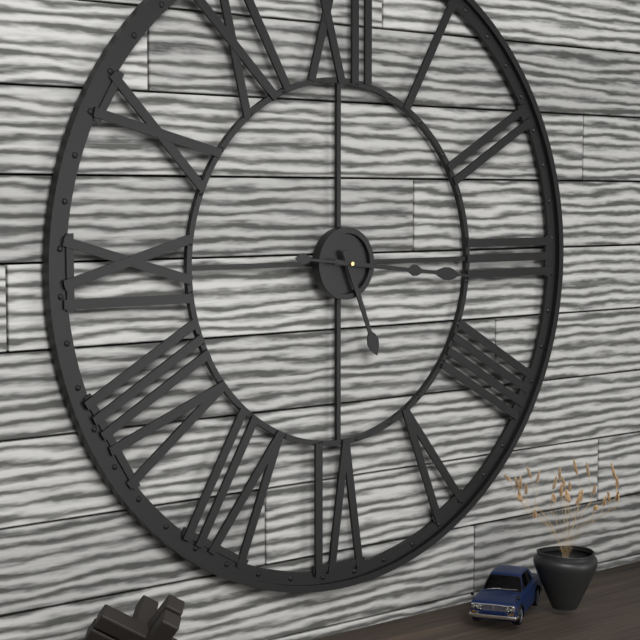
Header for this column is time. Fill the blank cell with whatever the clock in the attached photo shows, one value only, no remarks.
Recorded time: 5:16:16
